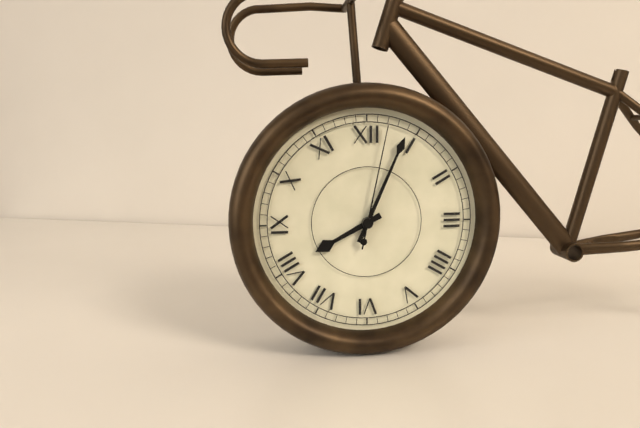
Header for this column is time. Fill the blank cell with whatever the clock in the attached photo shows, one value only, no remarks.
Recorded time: 8:04:02
